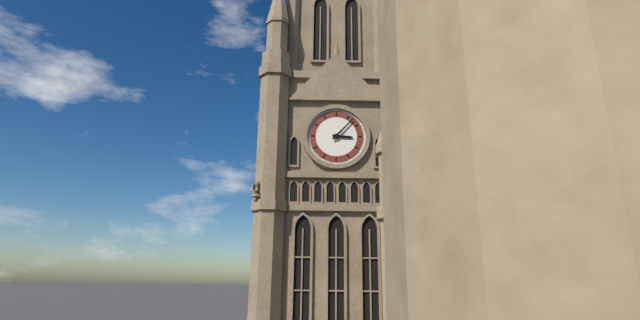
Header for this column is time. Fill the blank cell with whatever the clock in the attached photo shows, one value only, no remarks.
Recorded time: 3:07
